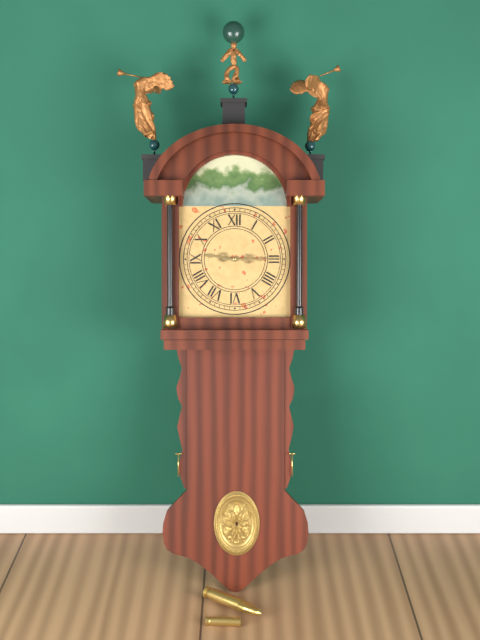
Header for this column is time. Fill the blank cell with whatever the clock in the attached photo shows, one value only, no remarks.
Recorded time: 9:15
